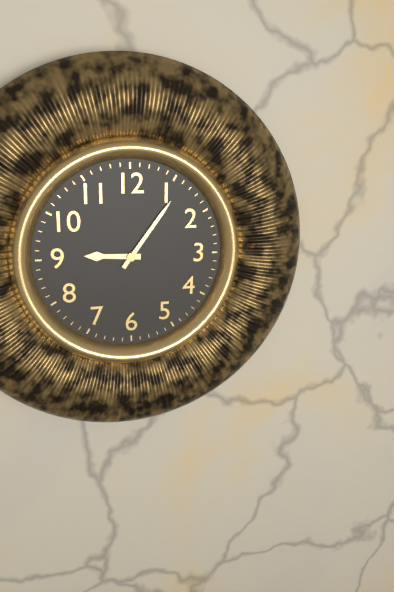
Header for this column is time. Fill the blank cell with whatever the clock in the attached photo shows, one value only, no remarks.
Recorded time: 9:06
